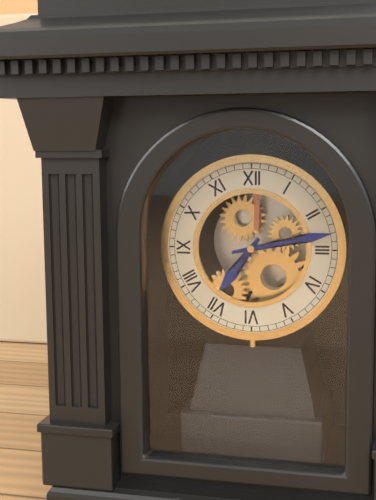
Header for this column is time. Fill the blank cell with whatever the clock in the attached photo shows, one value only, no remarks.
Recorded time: 7:13
